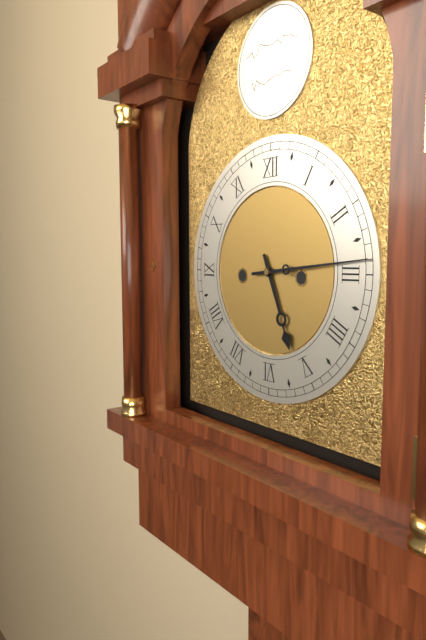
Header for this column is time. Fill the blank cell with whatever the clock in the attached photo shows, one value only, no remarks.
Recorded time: 5:14
